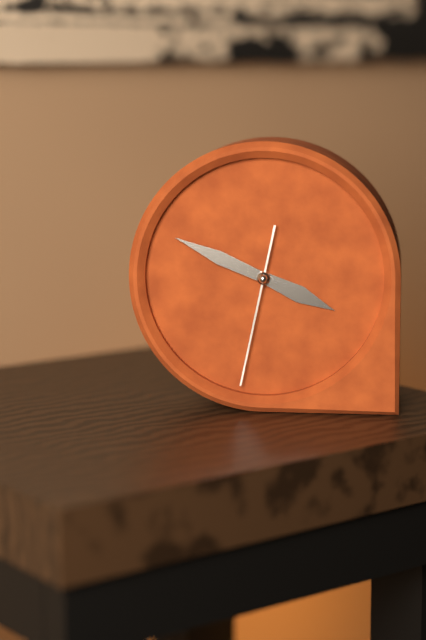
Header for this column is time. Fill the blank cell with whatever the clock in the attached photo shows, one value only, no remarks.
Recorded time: 3:49:32
